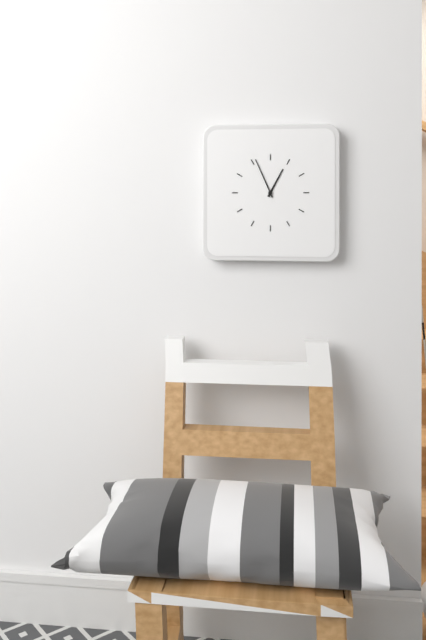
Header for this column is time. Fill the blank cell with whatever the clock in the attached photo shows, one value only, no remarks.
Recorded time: 12:56
